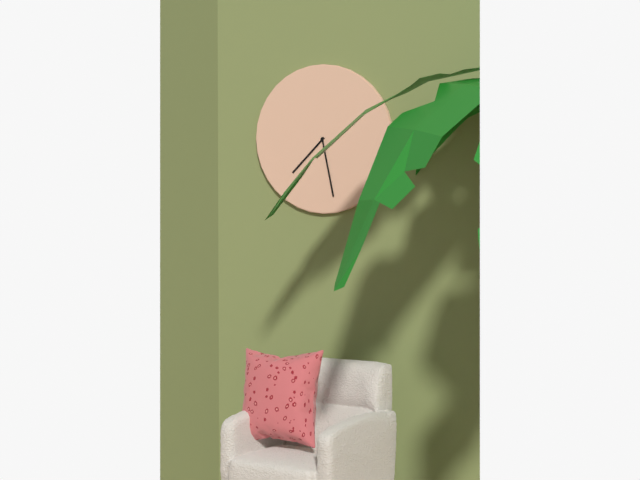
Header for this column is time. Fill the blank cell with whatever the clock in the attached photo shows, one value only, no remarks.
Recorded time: 7:28
